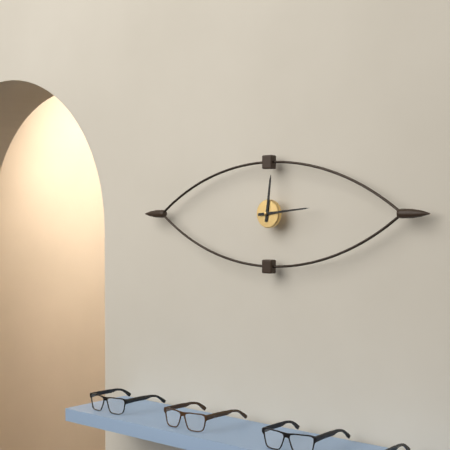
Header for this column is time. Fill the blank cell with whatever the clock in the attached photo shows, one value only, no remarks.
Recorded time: 12:14
